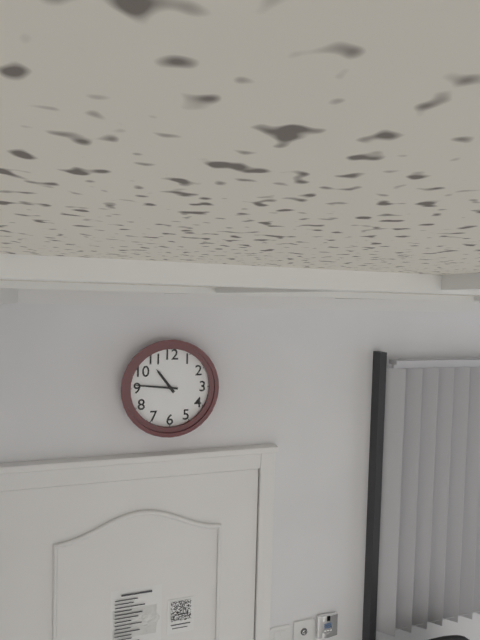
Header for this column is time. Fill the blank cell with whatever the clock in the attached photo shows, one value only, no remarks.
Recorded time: 10:46
